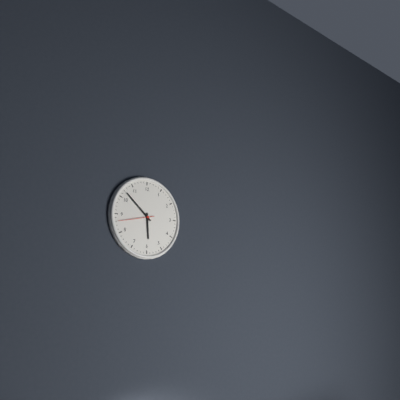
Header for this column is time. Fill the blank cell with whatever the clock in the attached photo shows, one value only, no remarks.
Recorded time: 5:52
